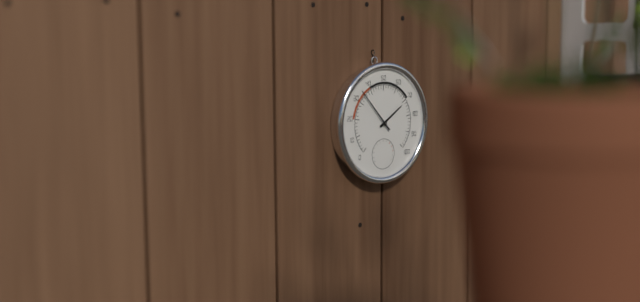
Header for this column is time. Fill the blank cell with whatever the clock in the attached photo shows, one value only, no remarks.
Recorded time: 1:53
